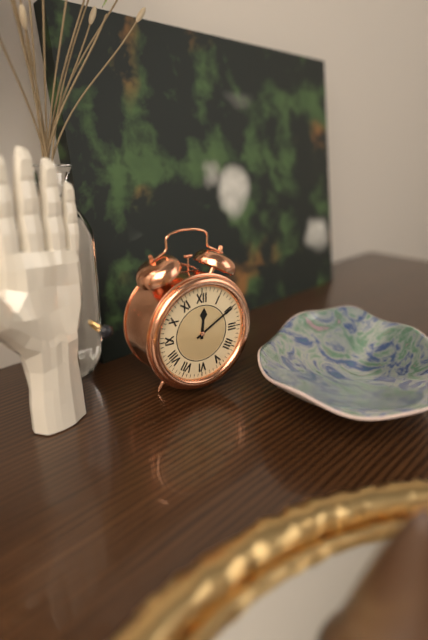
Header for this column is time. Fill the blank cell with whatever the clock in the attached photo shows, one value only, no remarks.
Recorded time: 12:10
